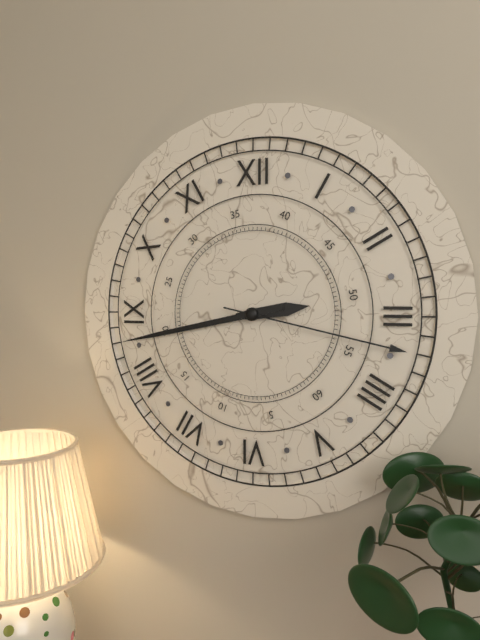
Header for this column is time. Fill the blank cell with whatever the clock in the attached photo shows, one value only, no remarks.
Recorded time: 2:43:17
